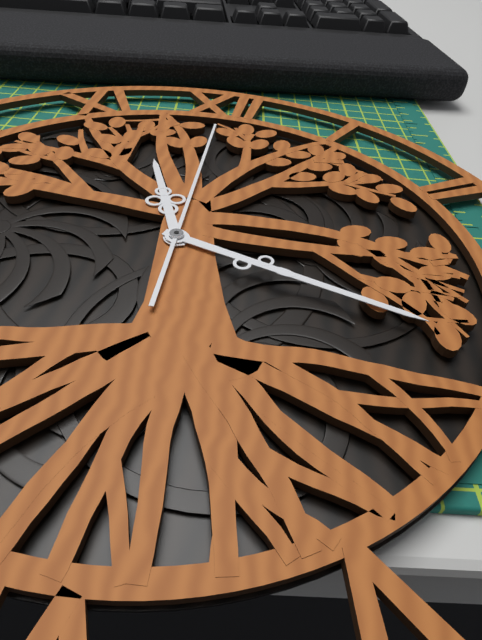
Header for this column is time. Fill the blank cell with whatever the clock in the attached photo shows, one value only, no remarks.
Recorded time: 11:18:00
